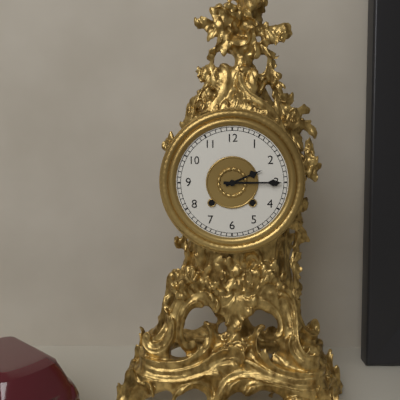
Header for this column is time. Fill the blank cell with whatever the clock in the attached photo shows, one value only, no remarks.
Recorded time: 2:15
